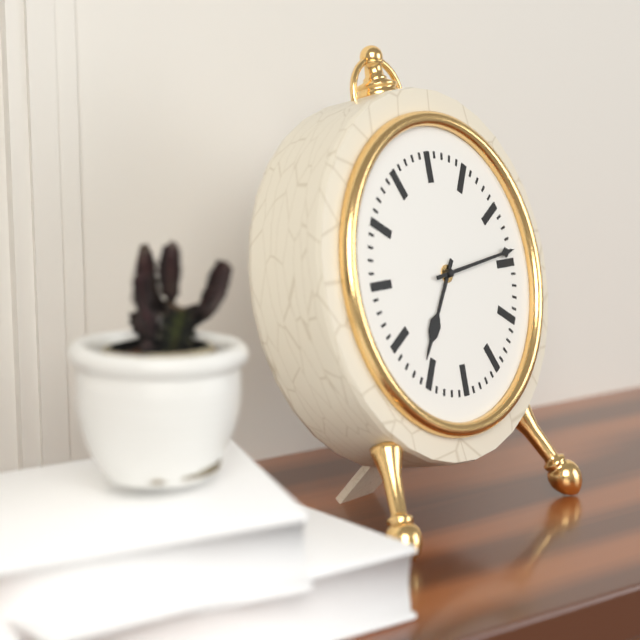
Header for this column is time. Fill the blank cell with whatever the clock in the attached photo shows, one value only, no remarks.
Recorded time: 7:14
